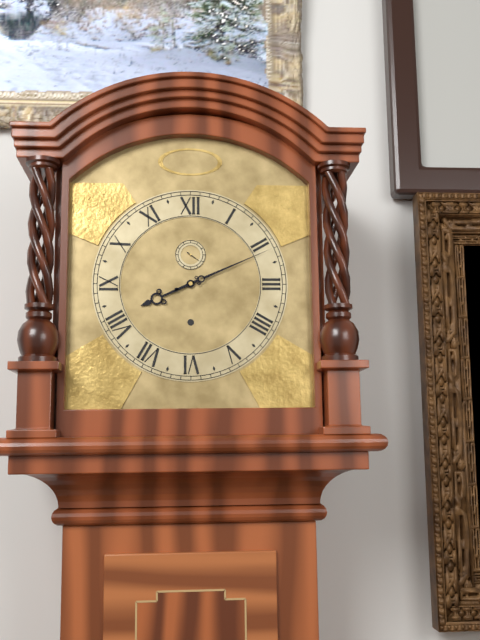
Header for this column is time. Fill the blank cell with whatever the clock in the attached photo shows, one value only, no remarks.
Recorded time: 8:11
